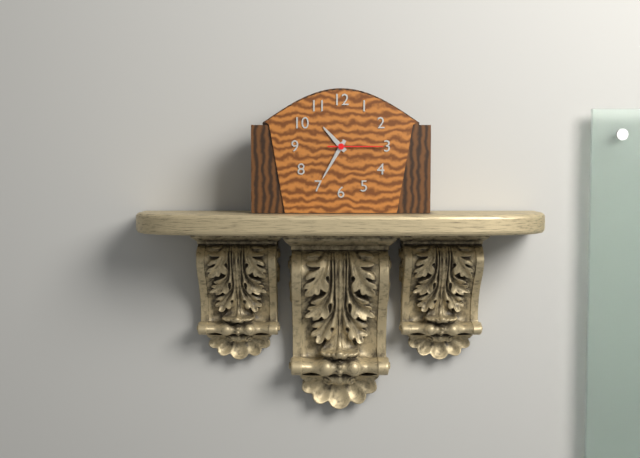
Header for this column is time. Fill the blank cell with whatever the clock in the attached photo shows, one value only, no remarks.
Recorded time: 10:35:15
